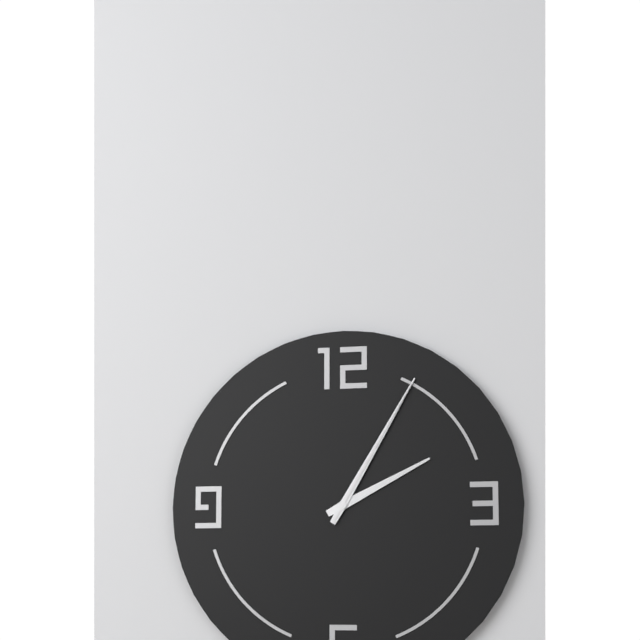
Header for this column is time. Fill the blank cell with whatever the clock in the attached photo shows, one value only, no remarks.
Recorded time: 2:05:05
